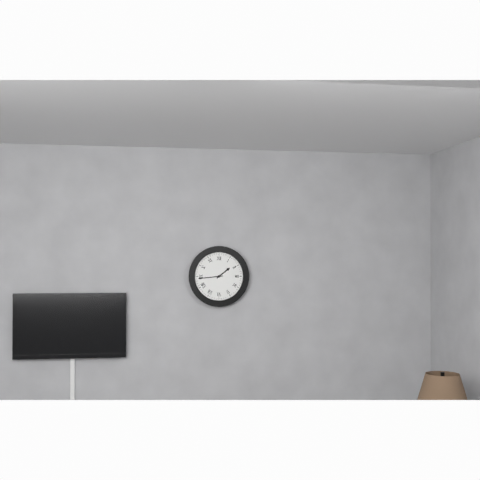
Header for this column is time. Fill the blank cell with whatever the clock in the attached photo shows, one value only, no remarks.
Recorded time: 1:44
